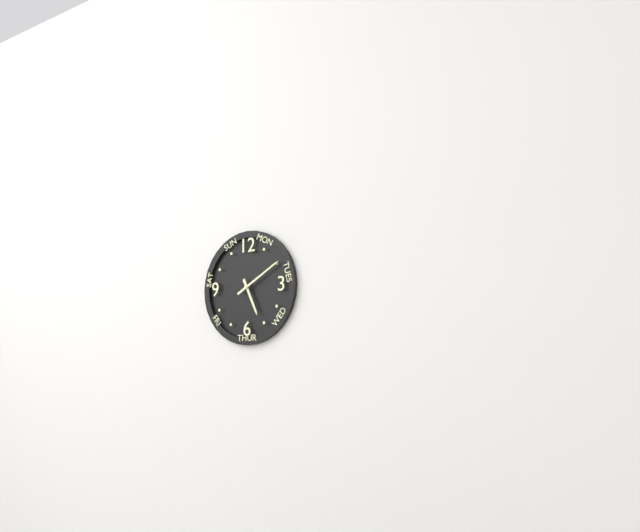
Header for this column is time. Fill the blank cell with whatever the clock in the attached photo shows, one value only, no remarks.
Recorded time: 5:10
